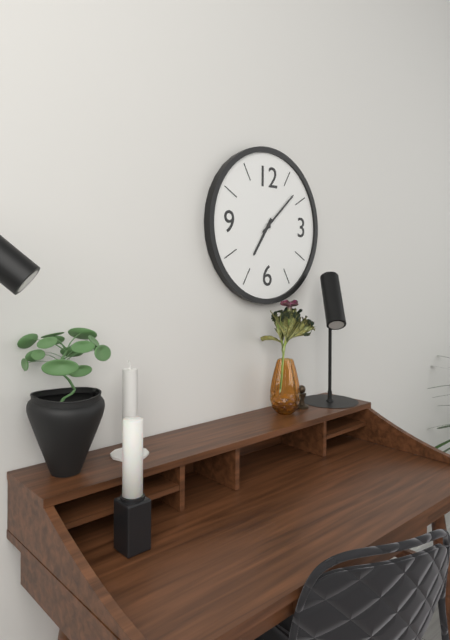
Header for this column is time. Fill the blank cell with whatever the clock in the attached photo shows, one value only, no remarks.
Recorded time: 7:08
